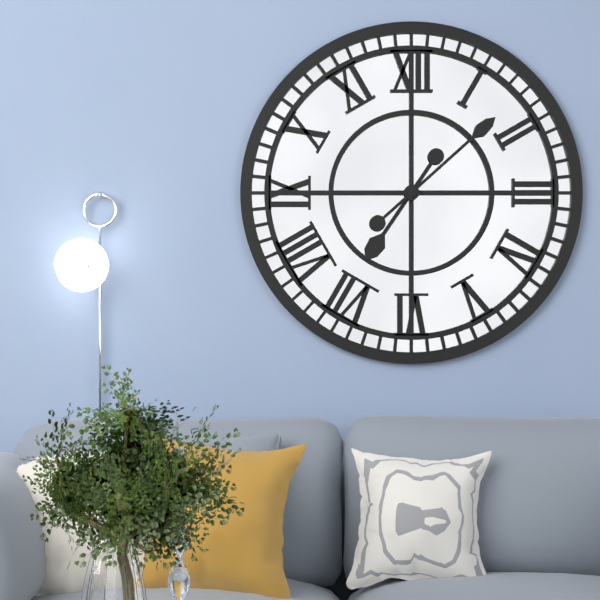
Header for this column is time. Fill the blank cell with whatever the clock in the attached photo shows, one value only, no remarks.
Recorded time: 7:08
